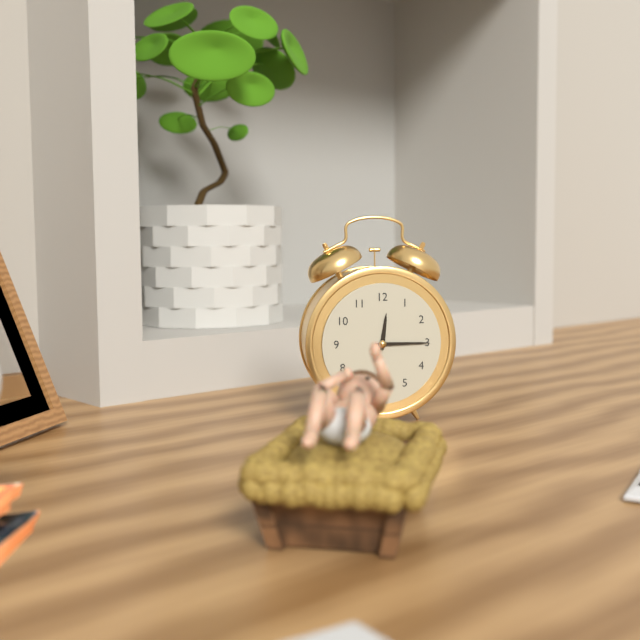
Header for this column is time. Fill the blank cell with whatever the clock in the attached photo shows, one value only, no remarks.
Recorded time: 12:15
